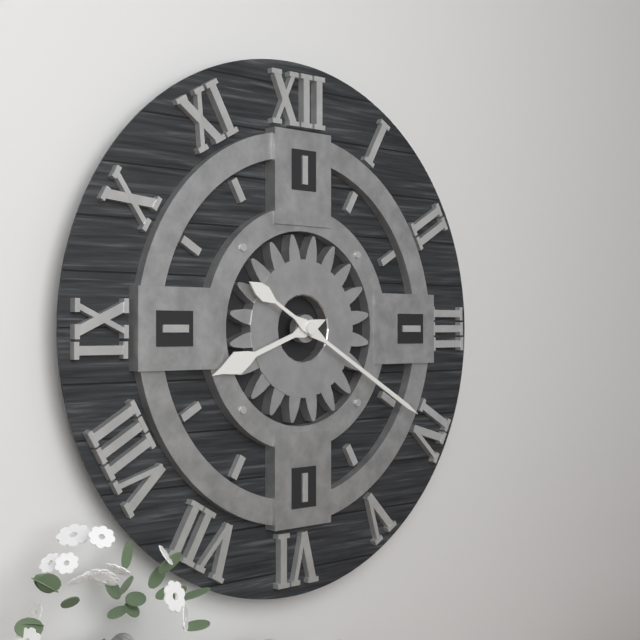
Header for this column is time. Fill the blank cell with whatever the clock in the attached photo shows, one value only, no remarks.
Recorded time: 8:20
